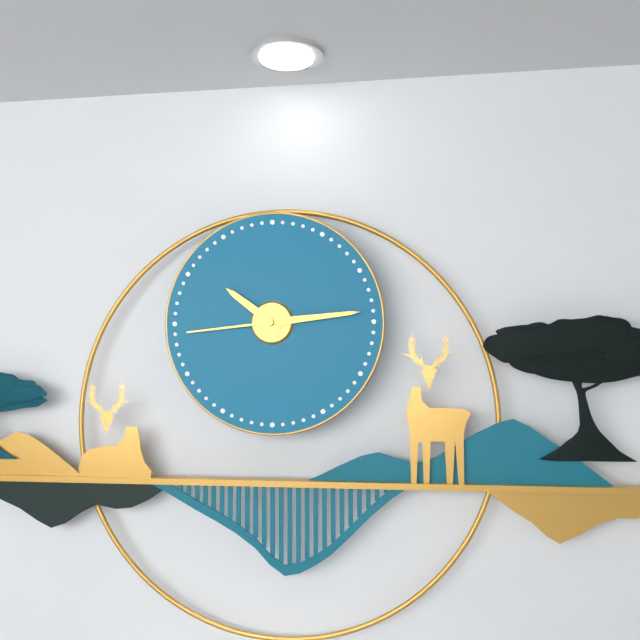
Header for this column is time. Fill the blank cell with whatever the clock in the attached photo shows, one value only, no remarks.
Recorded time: 10:14:44
